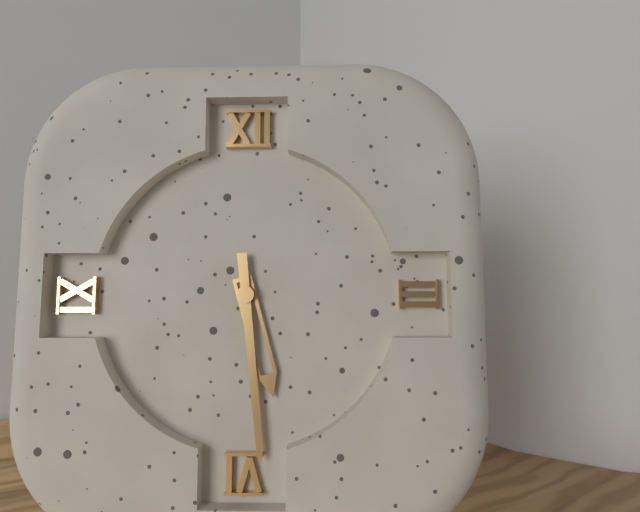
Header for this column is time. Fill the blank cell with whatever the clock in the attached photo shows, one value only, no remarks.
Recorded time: 5:29
